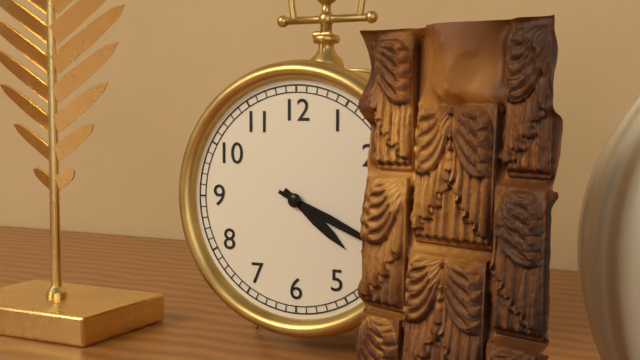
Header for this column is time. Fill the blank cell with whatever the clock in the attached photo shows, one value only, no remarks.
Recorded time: 4:19
